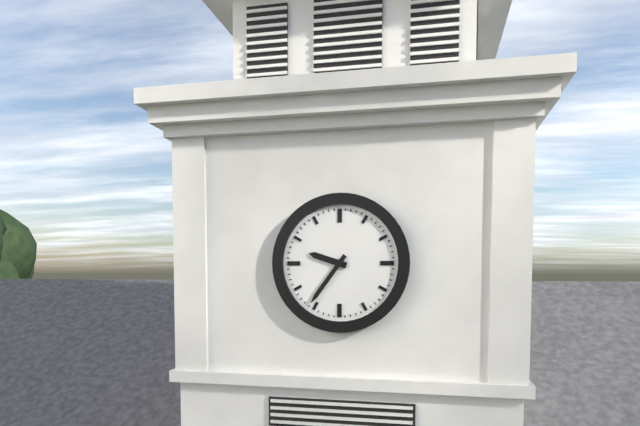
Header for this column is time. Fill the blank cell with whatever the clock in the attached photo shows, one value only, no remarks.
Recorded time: 9:36
